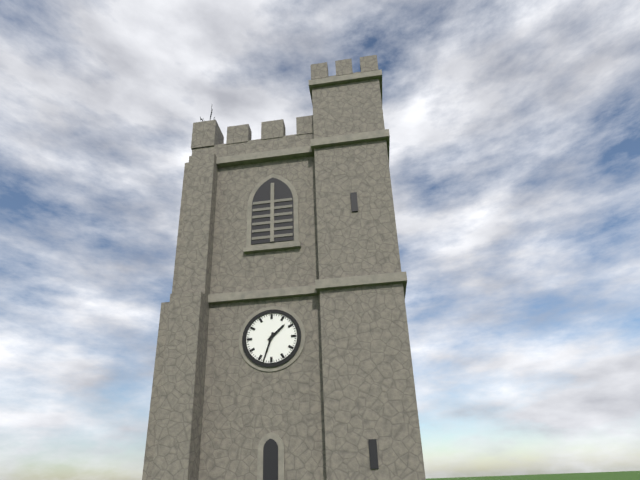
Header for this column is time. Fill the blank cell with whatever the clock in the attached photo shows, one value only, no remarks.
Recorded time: 1:33
